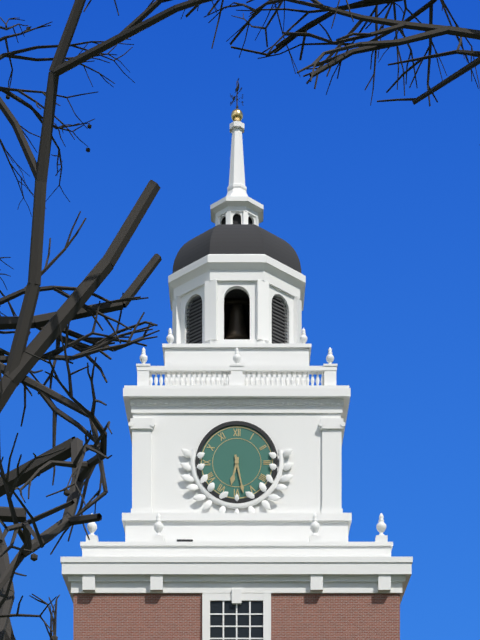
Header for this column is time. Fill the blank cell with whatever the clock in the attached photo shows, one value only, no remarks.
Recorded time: 6:28
